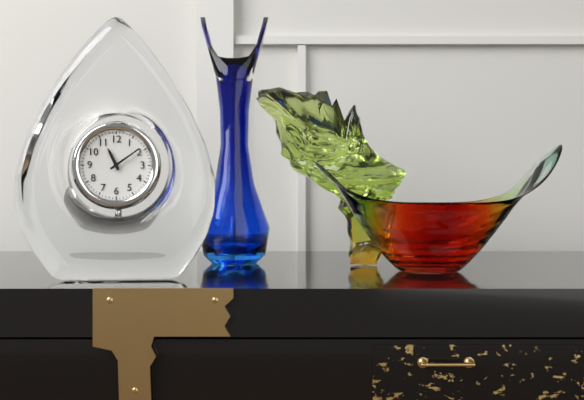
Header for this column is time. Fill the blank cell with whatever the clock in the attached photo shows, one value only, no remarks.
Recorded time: 11:09
